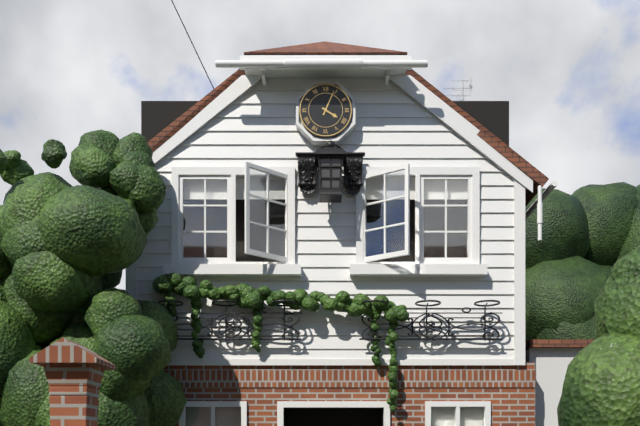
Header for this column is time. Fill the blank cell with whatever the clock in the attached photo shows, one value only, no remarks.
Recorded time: 4:04
